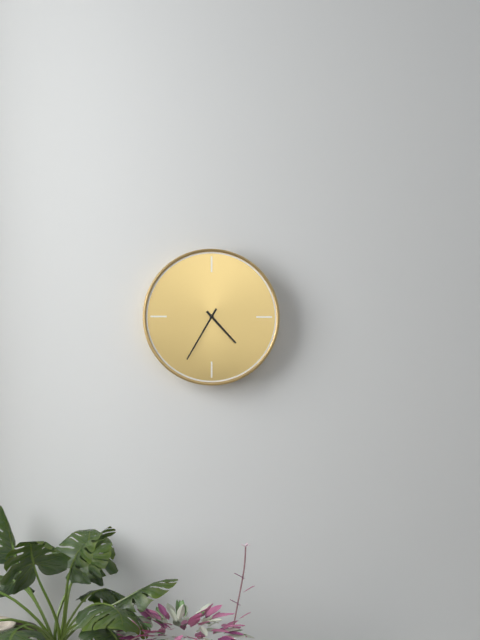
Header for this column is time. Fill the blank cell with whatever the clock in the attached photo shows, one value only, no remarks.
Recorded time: 4:35
